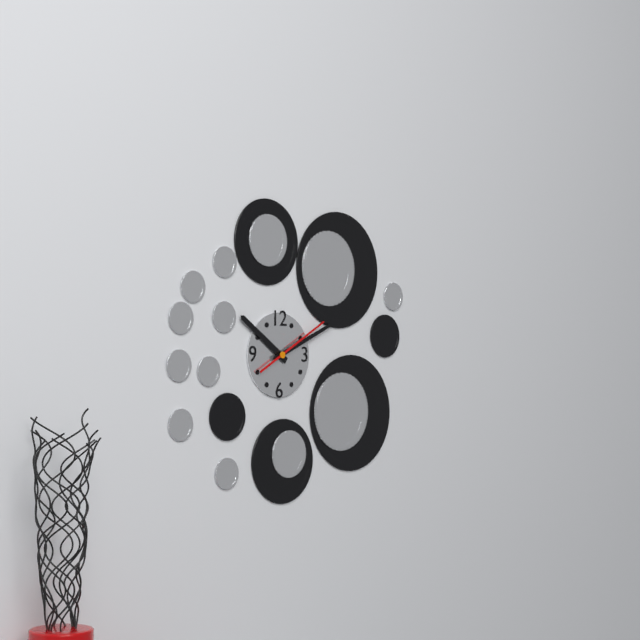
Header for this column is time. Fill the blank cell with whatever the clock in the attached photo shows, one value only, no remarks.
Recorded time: 10:11:10
